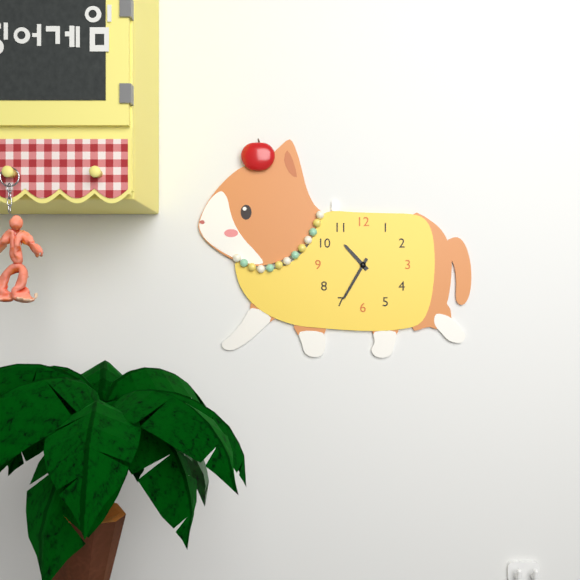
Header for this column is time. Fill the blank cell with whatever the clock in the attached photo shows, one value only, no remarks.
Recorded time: 10:35
